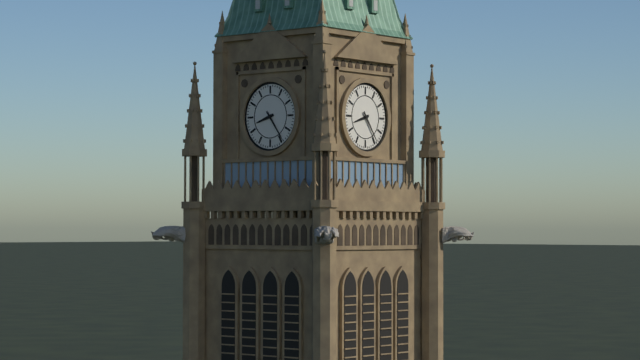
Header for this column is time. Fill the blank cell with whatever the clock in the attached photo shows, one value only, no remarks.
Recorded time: 8:24
